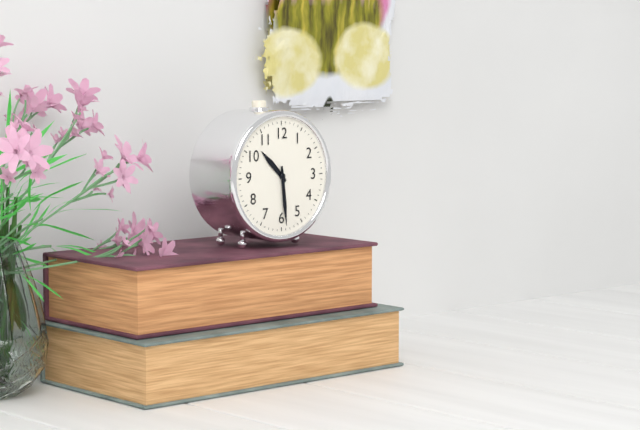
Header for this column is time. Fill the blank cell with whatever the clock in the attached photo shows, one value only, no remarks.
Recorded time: 10:29
